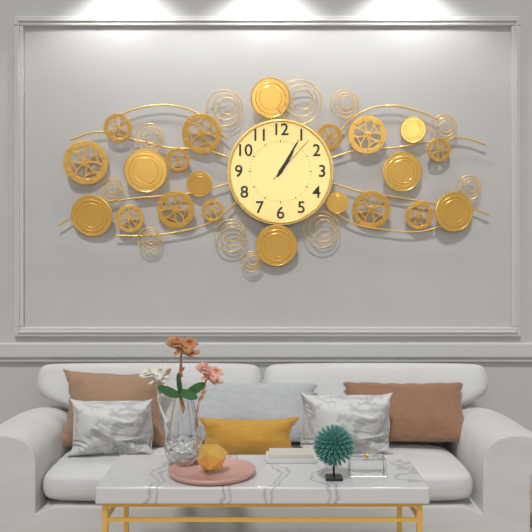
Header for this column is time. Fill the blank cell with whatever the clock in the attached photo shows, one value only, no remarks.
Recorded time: 1:05:07
